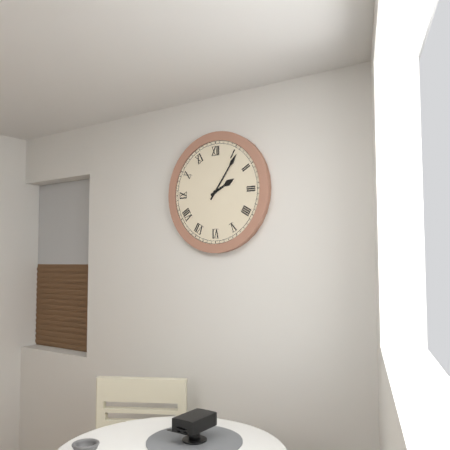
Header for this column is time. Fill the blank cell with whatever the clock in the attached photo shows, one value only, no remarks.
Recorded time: 2:06
